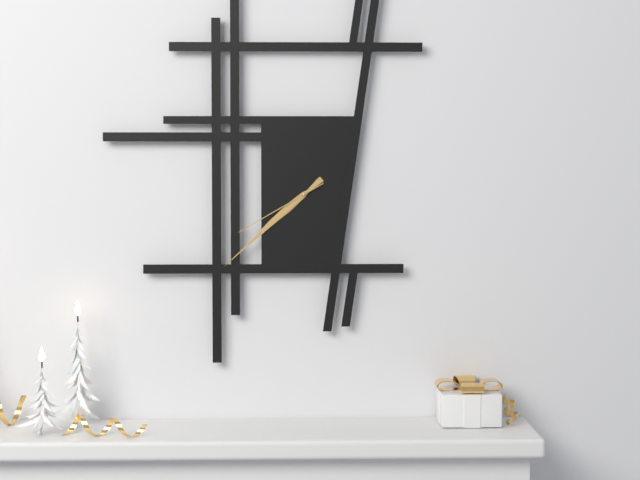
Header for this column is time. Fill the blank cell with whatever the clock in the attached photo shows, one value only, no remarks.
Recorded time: 7:38:40
